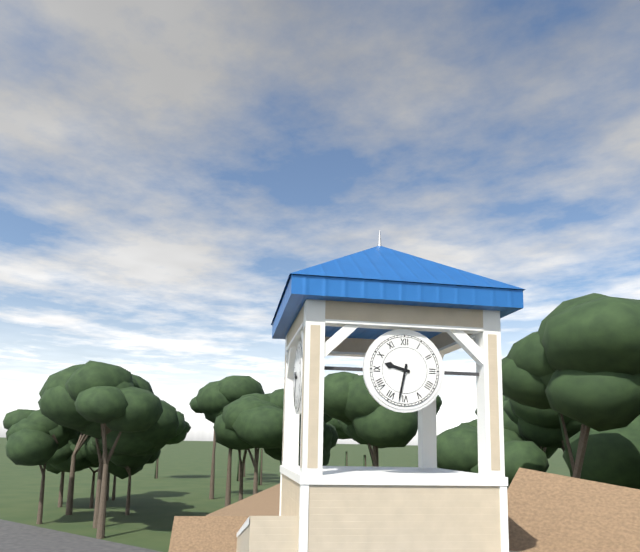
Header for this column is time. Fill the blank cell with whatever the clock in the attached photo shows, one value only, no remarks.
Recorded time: 9:32
